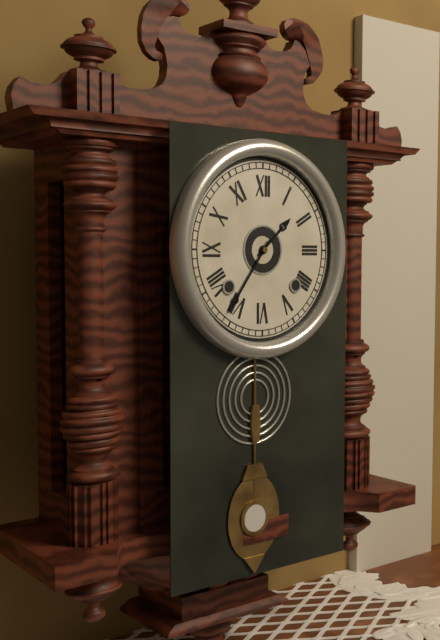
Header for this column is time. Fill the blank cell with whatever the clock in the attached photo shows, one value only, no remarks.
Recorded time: 1:36
